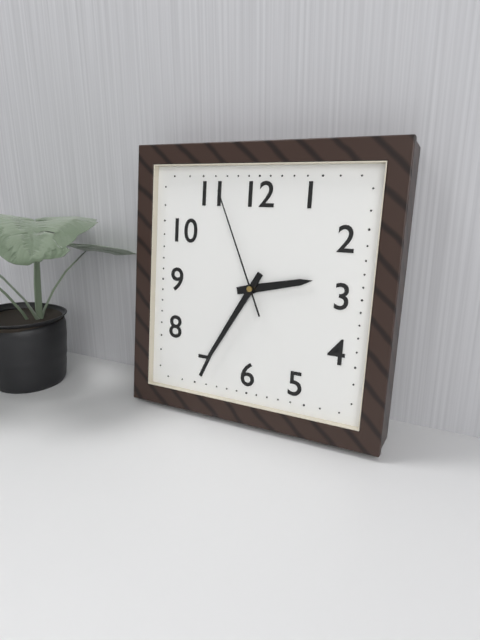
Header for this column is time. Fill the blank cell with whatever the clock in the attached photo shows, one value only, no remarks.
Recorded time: 2:35:56
